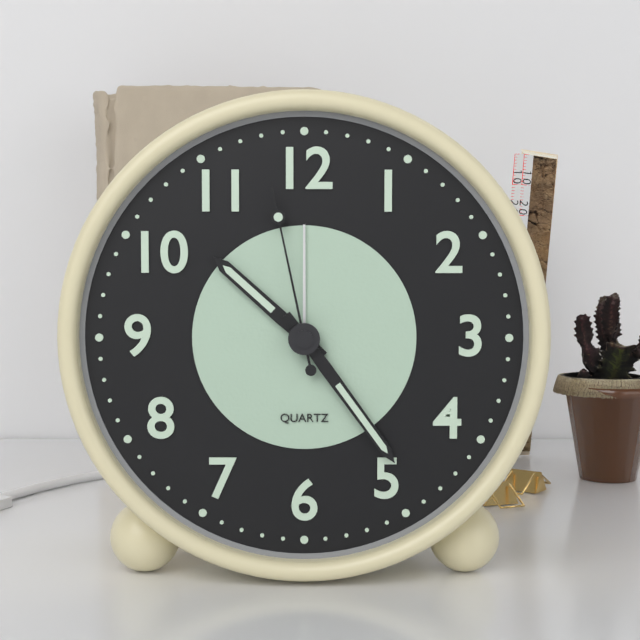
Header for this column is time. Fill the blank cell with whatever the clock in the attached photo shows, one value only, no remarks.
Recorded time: 10:24:58
